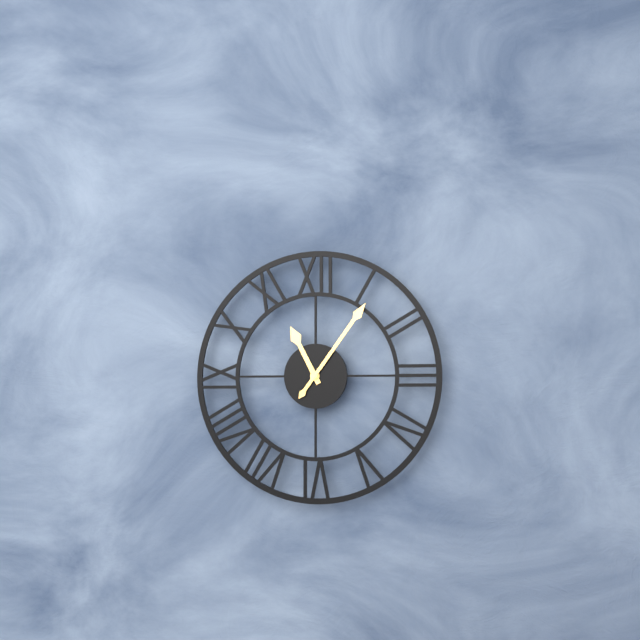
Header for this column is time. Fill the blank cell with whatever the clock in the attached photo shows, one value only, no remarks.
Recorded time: 11:06
